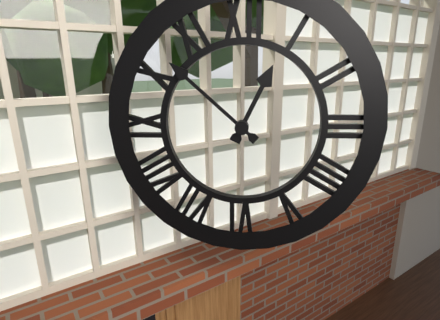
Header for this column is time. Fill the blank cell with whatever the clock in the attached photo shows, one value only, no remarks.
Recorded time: 12:52
